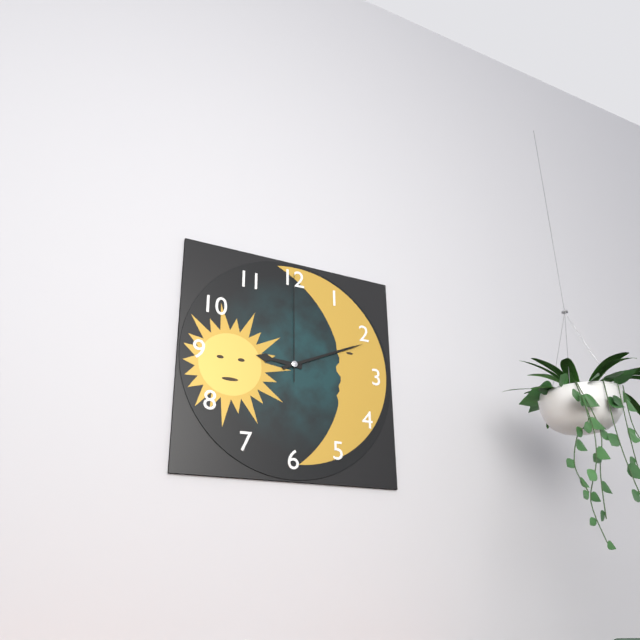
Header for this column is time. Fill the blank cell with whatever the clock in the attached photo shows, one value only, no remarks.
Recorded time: 9:11:00
